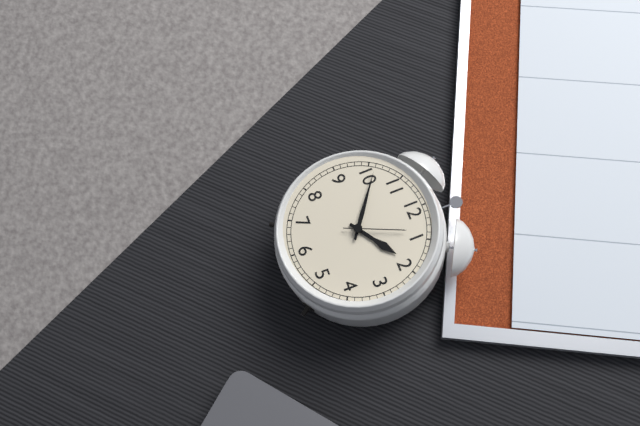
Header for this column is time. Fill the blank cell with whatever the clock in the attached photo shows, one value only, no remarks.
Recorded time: 1:51:04
